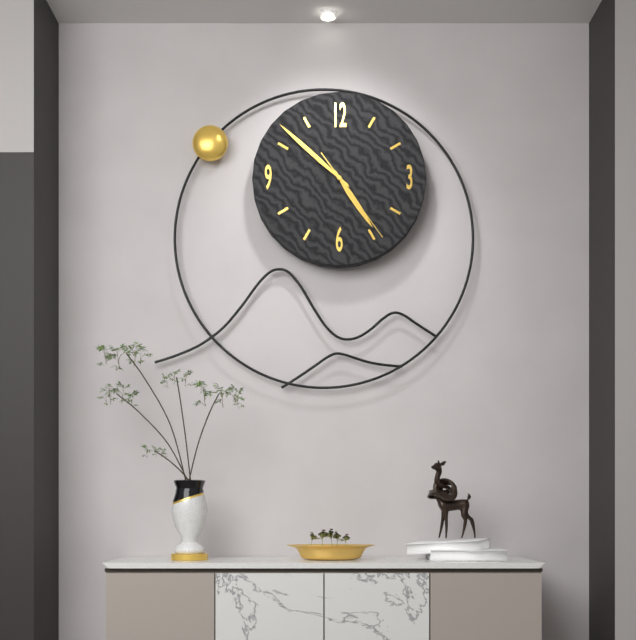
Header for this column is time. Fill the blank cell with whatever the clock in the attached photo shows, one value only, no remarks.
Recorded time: 4:52:24
